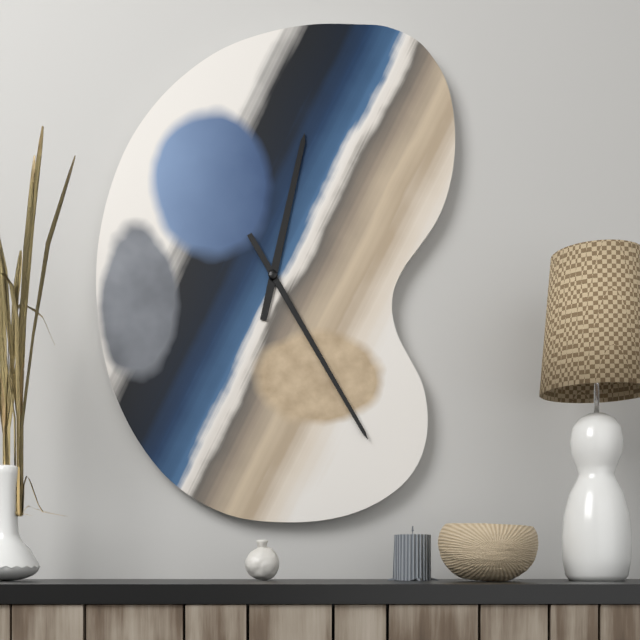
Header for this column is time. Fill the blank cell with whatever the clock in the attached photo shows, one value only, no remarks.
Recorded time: 12:25
